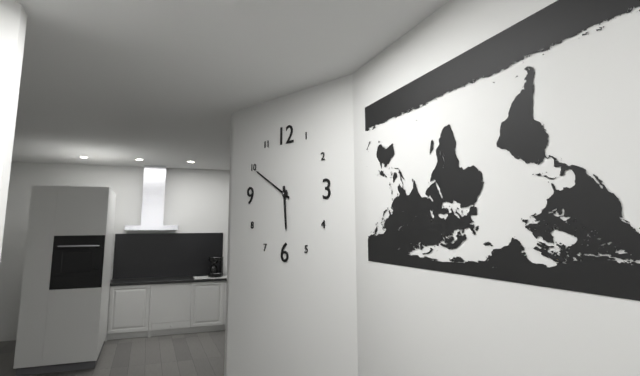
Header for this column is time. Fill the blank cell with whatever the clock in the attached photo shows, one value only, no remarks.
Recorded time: 5:50
